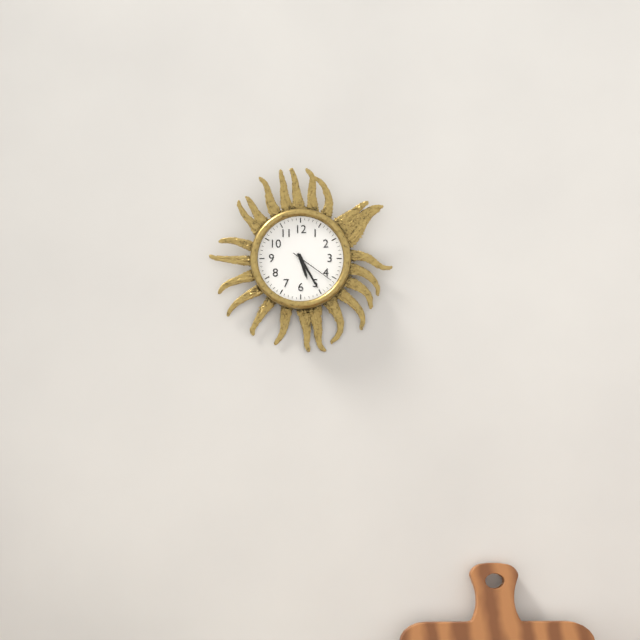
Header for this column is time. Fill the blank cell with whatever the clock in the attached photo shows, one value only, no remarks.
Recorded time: 5:25
